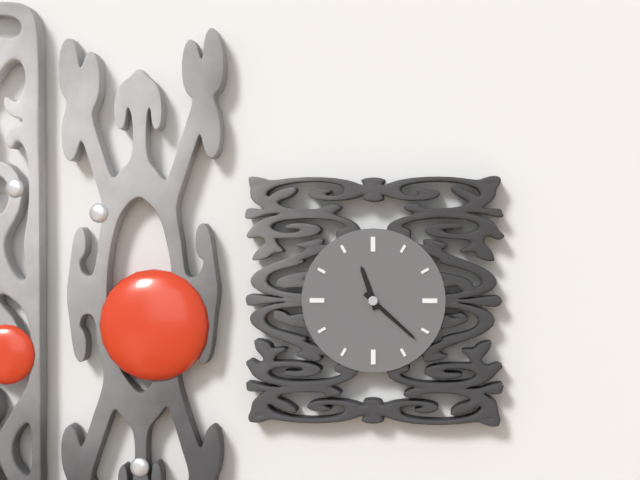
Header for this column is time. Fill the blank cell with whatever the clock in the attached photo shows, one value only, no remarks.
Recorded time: 11:22
